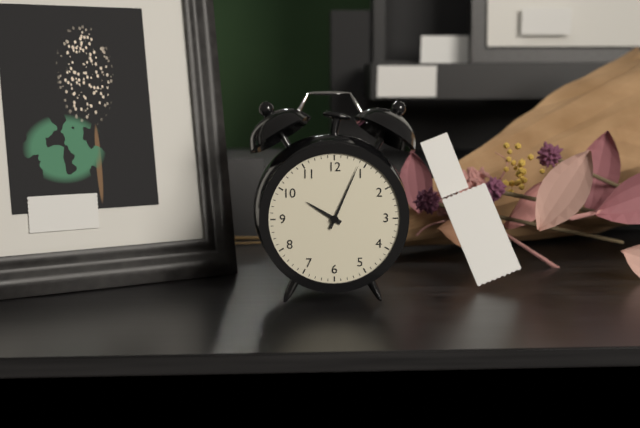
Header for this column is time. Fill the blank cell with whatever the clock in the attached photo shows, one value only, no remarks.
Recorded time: 10:04
